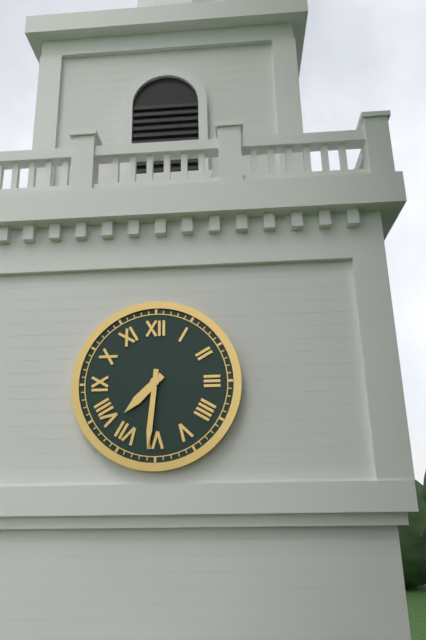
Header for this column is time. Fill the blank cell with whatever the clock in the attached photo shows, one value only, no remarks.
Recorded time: 7:31
